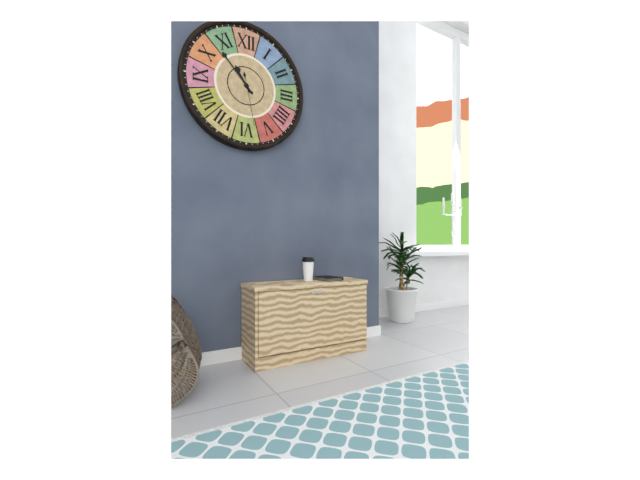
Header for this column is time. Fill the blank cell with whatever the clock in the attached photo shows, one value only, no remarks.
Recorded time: 10:53:28
